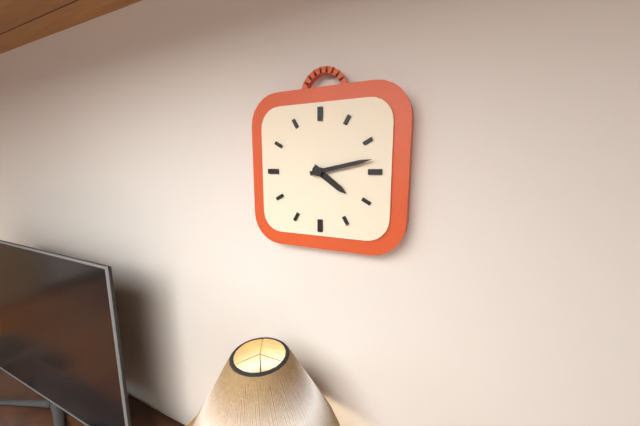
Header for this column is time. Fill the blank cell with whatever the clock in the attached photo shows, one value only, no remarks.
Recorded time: 4:13
